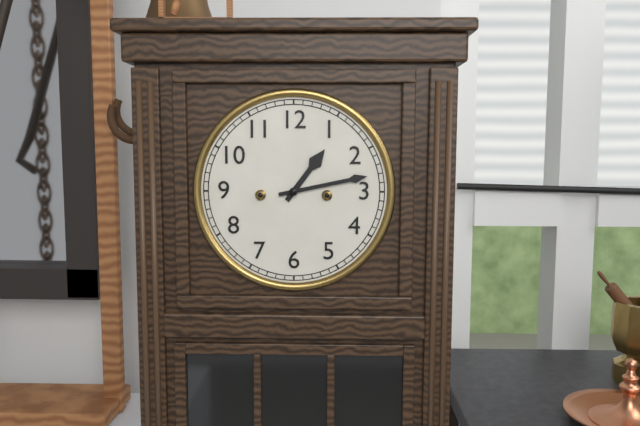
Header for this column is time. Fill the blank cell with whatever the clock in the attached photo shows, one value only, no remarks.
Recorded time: 1:13
